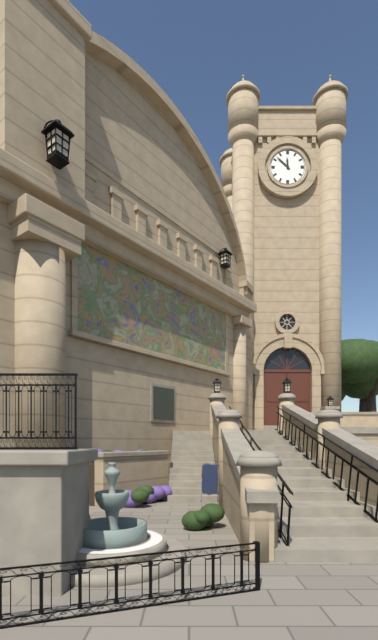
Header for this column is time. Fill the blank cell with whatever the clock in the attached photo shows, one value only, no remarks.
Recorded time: 11:52
